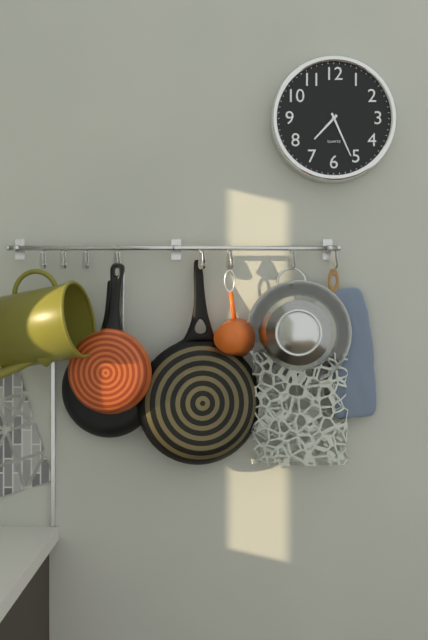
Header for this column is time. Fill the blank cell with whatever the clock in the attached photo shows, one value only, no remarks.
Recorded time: 7:26
